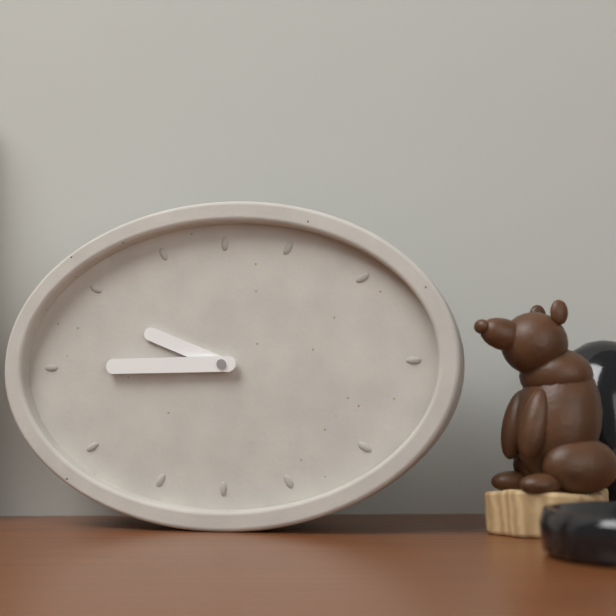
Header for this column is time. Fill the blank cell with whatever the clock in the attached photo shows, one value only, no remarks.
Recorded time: 9:45
